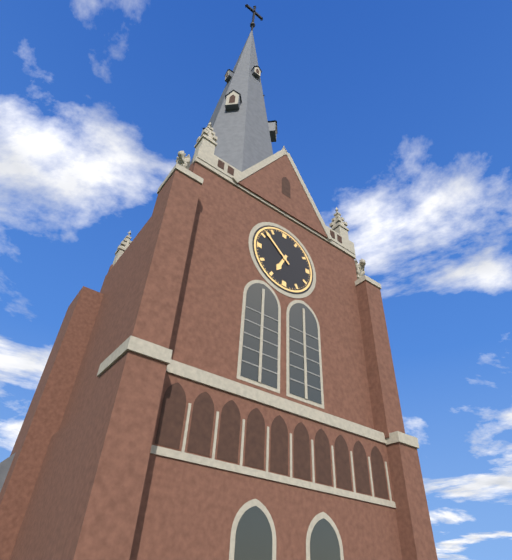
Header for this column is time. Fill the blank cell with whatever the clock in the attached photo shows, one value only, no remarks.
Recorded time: 6:52
